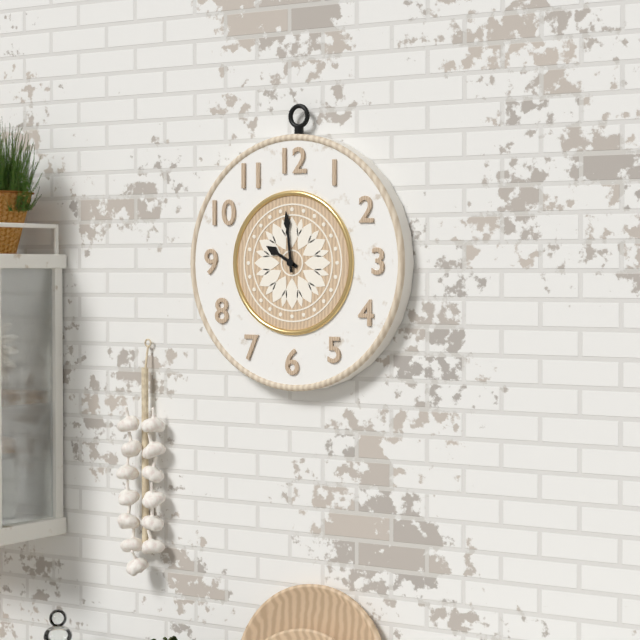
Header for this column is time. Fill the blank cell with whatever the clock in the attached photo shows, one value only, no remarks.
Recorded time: 9:59
